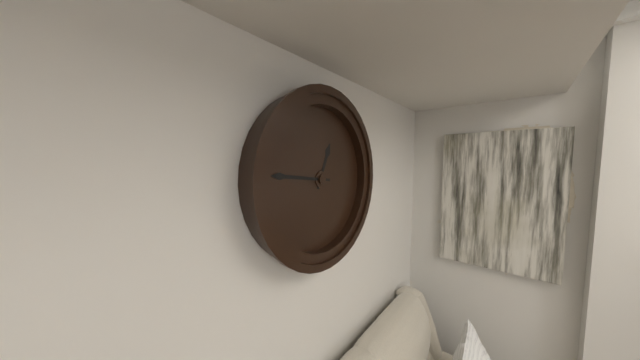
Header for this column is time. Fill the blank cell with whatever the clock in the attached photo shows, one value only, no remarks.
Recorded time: 12:46
